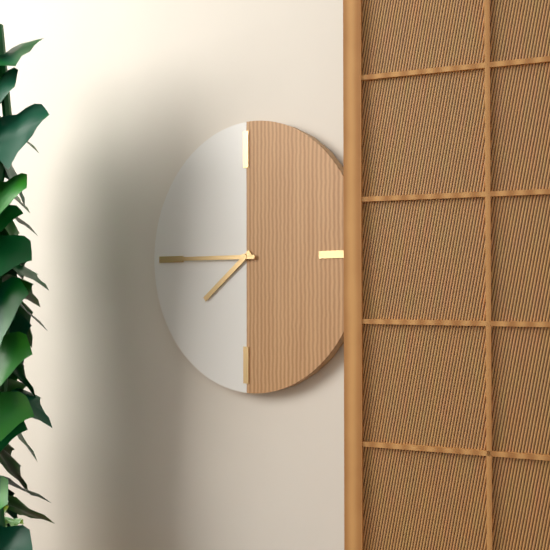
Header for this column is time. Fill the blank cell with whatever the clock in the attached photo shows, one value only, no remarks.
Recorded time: 7:45
